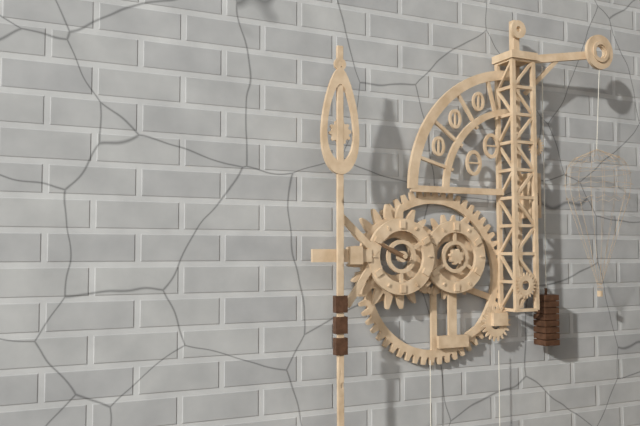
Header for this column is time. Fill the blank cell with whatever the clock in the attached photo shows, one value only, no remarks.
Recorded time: 9:49
